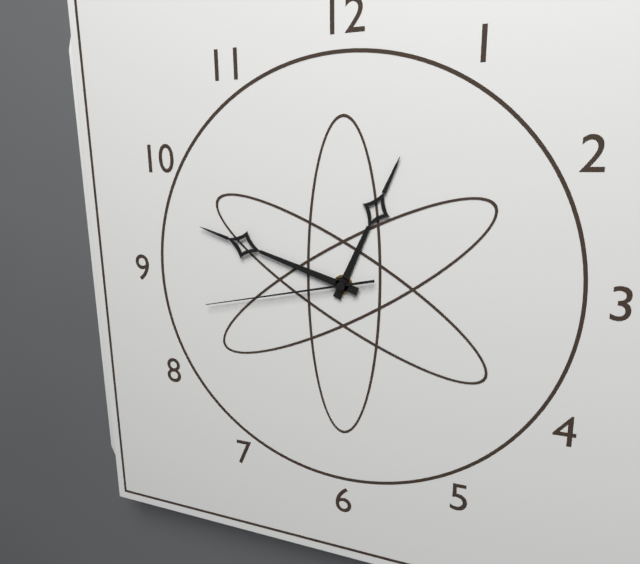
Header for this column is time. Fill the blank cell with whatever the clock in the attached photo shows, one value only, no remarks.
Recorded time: 12:48:43
